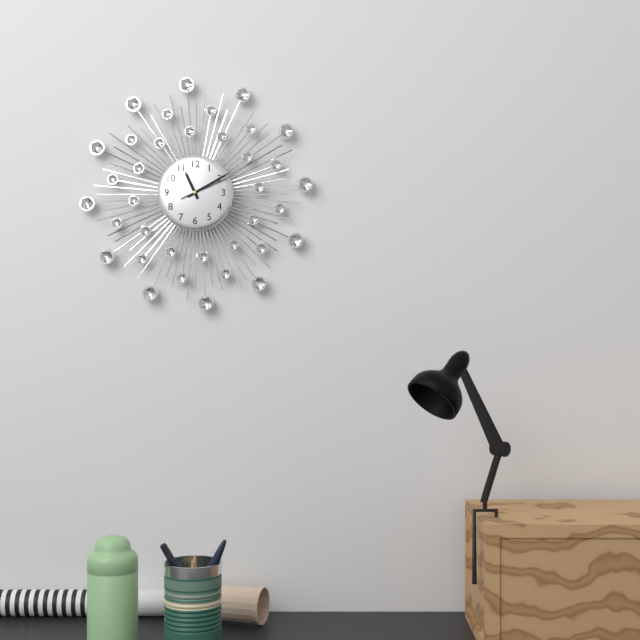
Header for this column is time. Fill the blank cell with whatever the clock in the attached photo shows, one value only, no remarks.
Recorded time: 11:10:11
